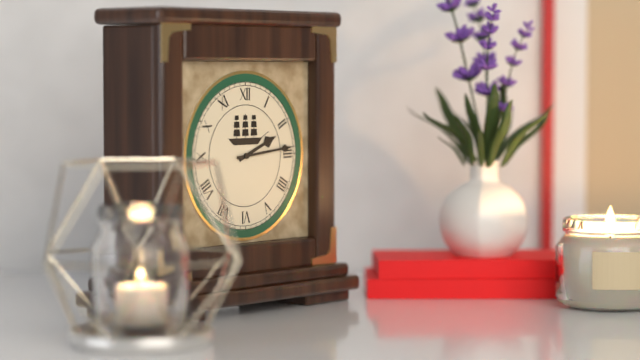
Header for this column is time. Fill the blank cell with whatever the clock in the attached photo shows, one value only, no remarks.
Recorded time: 2:14
